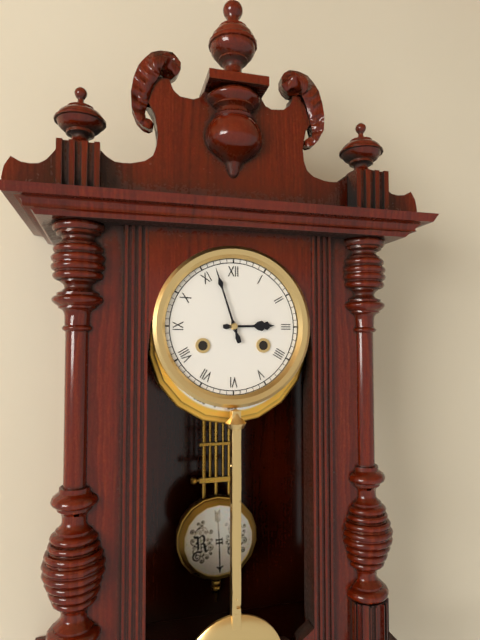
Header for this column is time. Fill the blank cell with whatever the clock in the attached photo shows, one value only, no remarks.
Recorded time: 2:57
